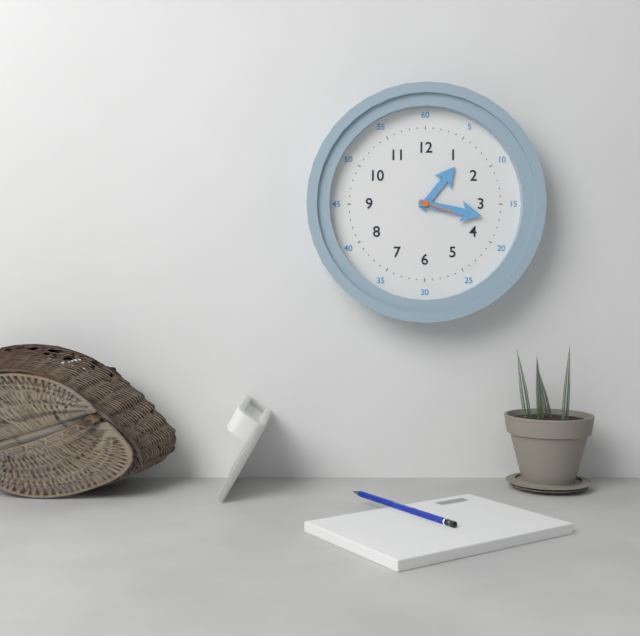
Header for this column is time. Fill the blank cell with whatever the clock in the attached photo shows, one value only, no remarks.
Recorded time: 1:17
